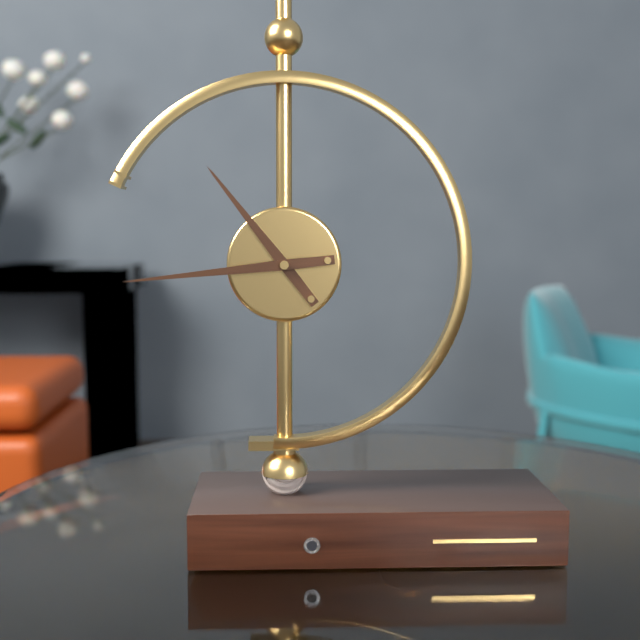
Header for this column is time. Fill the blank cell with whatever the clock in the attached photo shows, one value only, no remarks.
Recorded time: 10:44
